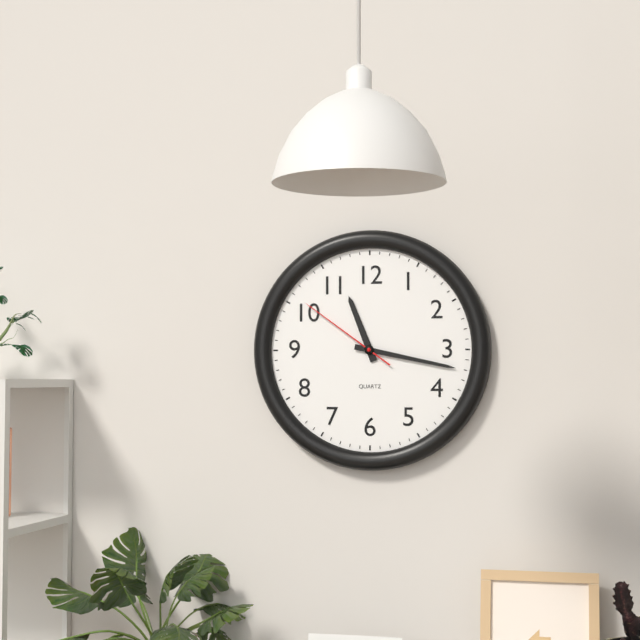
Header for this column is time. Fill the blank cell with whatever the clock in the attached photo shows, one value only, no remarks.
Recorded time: 11:17:51
